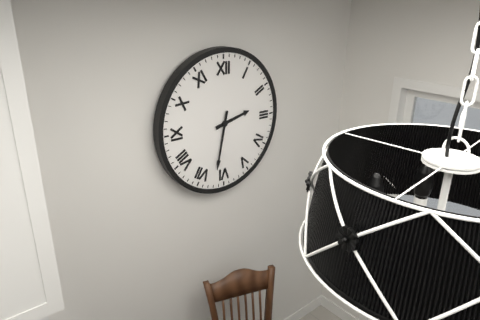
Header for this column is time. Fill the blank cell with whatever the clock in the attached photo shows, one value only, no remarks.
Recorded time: 2:32
